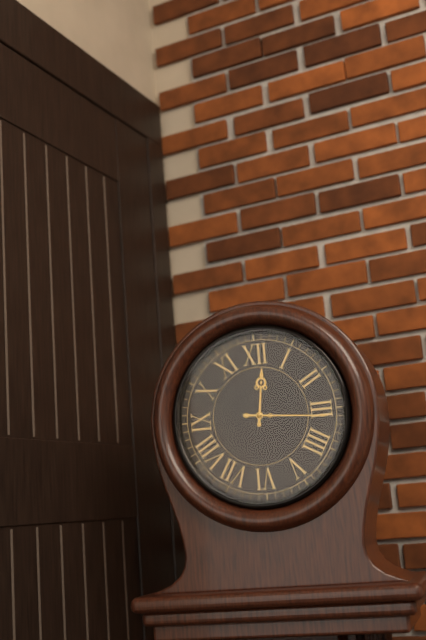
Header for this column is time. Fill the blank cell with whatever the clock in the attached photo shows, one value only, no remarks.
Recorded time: 12:16
